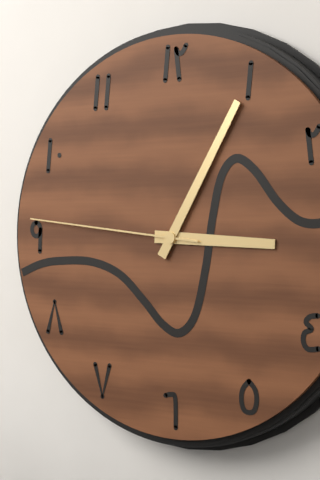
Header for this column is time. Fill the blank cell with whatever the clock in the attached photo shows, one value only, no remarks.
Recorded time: 3:05:46
